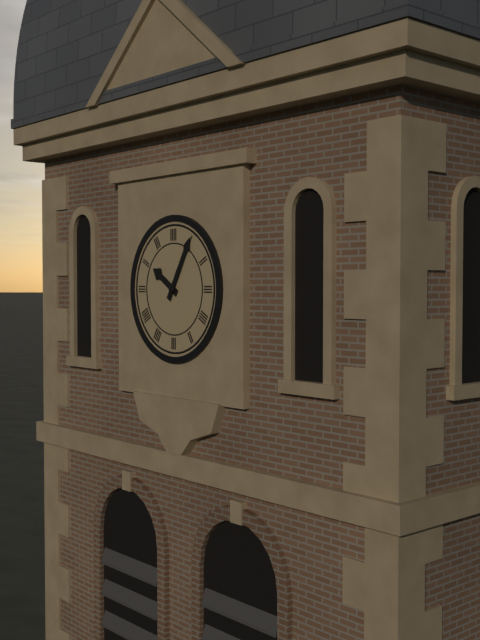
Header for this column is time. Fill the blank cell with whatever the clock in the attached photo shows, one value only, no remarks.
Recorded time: 10:05
